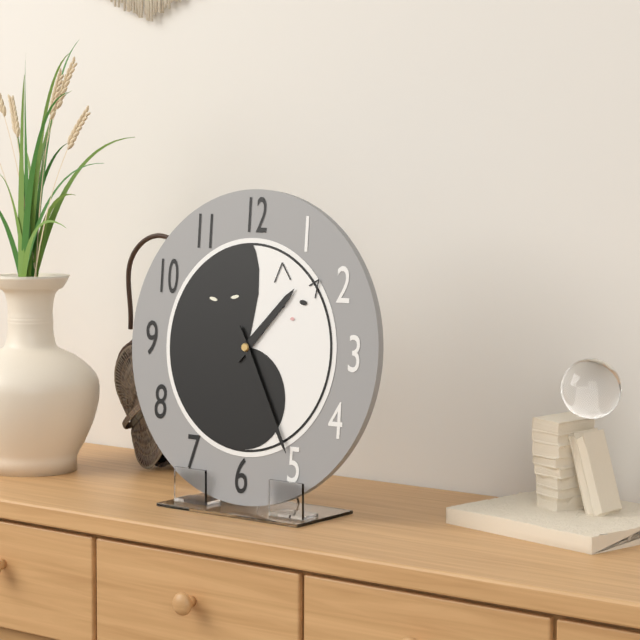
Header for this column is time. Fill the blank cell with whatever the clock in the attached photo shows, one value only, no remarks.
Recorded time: 1:25
